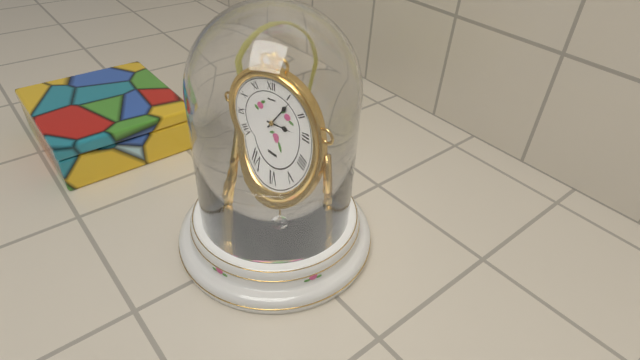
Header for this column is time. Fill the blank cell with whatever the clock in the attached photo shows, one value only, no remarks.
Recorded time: 3:06
